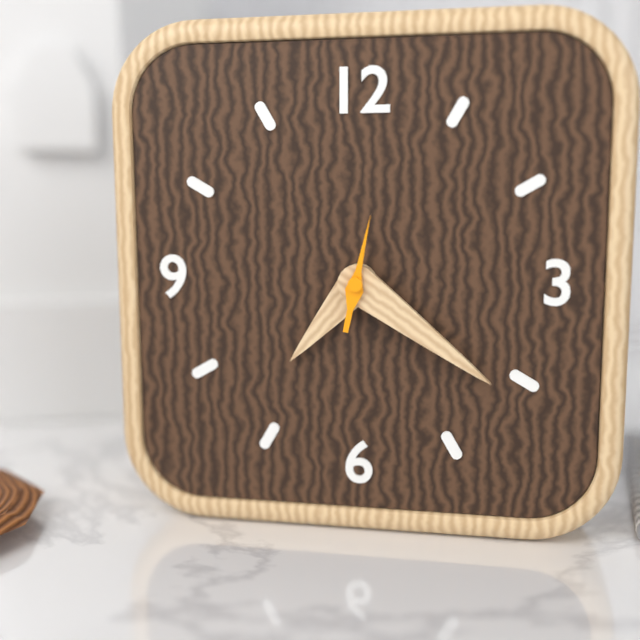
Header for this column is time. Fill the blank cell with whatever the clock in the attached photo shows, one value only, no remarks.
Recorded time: 7:21:02
